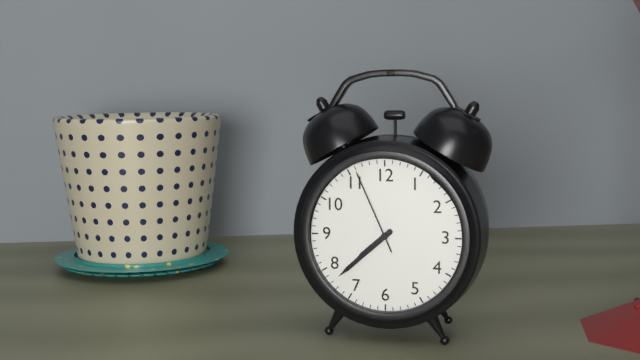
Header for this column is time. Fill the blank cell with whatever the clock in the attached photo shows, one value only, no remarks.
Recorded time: 7:38:56
